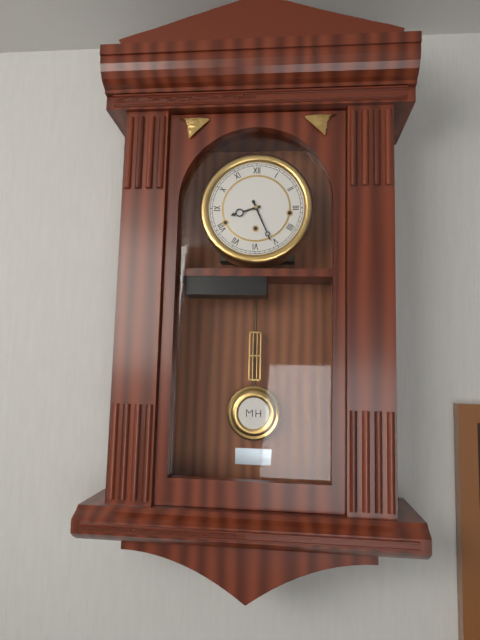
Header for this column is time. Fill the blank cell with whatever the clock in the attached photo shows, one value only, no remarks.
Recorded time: 8:26
